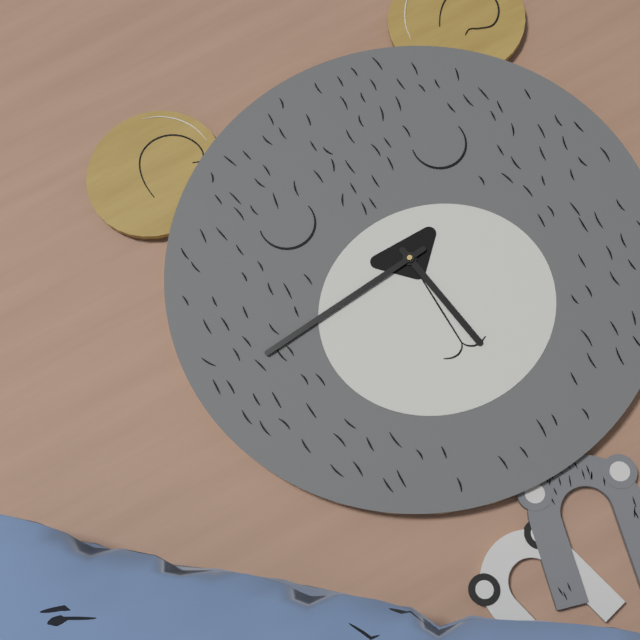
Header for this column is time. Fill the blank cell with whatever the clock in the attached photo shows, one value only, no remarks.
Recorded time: 5:44
